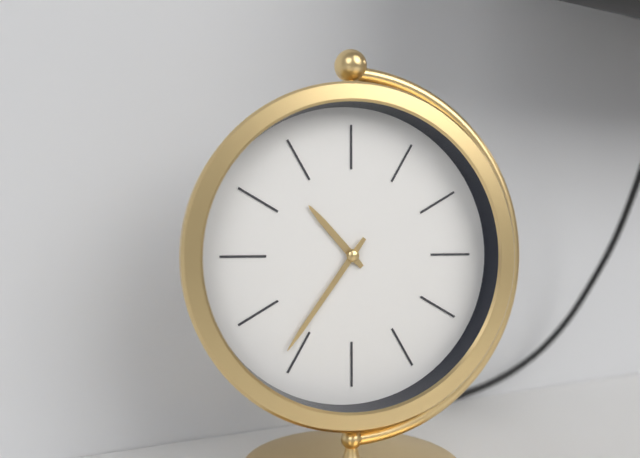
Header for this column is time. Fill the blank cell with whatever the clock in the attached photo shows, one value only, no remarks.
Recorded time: 10:36
